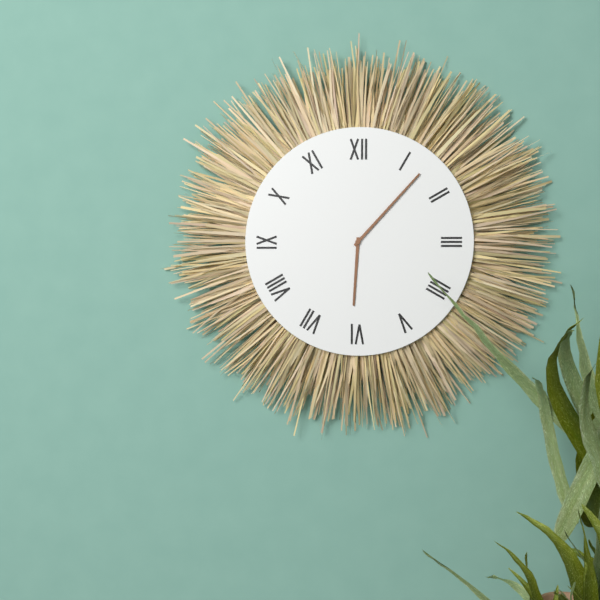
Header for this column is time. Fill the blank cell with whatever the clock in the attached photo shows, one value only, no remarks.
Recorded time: 6:07
